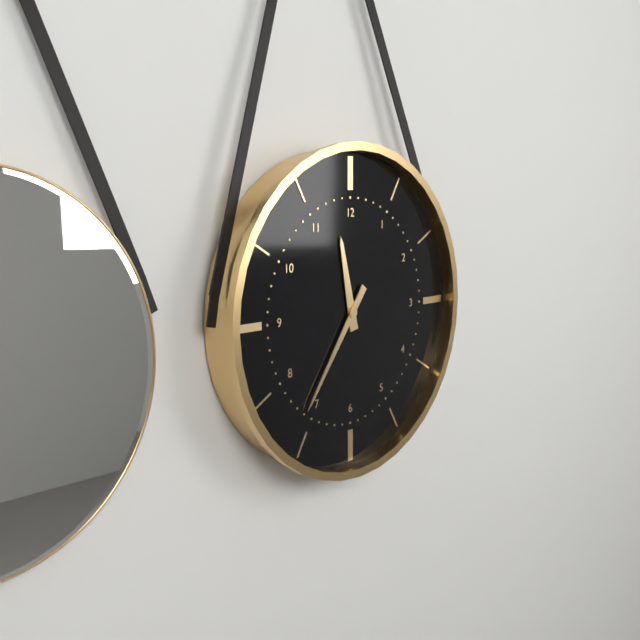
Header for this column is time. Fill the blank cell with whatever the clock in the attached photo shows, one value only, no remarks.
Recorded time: 11:36
